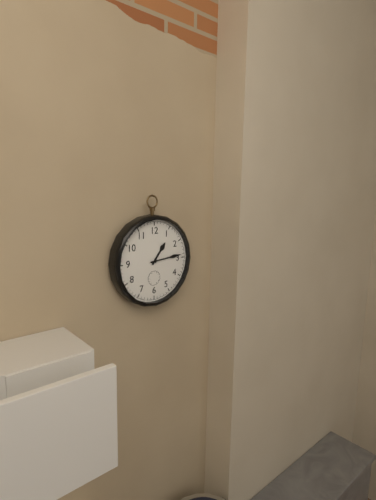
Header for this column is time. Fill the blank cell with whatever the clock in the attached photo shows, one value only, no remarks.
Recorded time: 1:14
